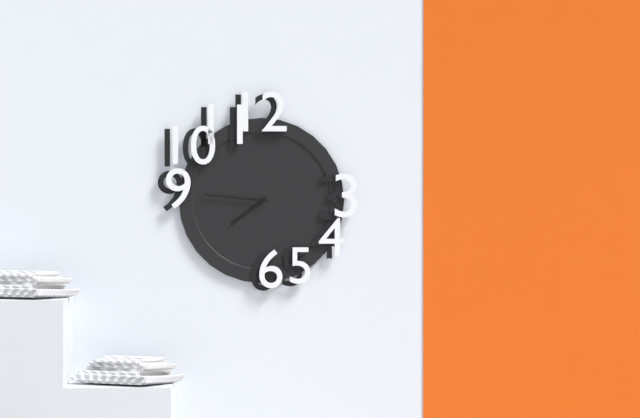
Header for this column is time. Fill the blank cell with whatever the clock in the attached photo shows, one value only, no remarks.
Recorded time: 7:46
